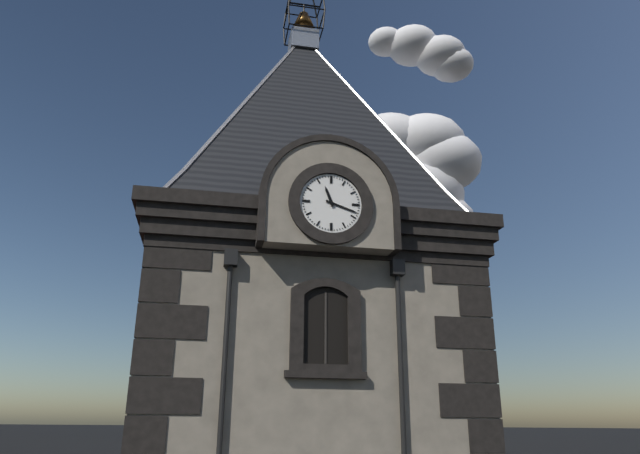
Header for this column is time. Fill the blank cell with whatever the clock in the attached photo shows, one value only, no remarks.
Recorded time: 11:18
